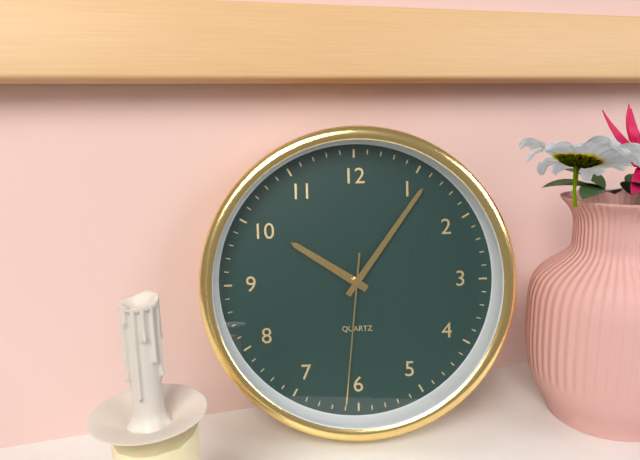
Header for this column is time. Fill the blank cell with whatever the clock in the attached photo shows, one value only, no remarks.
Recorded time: 10:06:31
